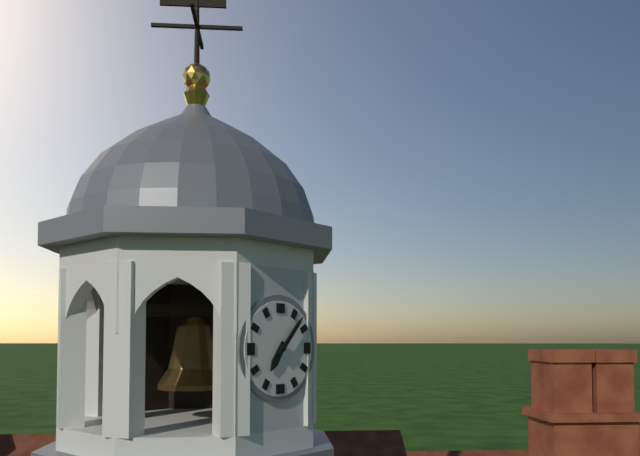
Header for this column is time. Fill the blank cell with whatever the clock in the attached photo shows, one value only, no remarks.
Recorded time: 7:07
